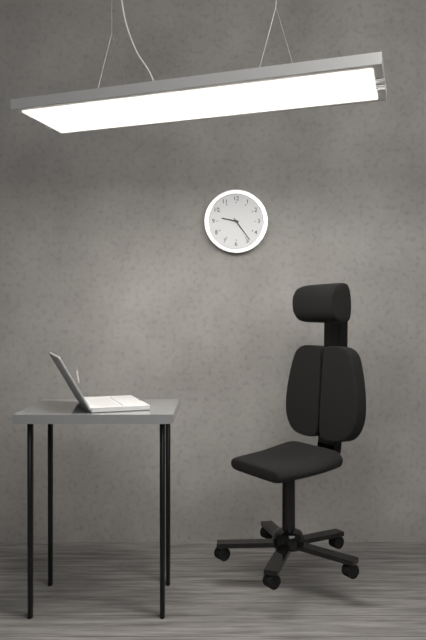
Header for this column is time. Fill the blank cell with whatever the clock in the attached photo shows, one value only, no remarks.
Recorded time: 9:24
